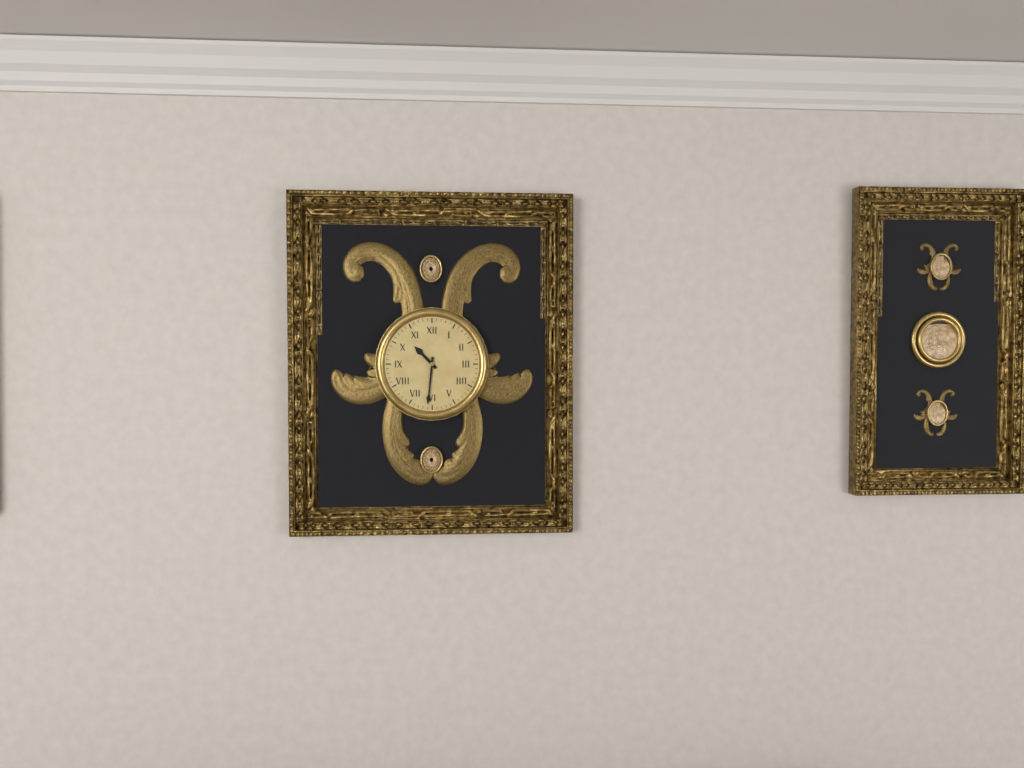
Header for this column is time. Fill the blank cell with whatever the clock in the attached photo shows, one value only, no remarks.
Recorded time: 10:31
